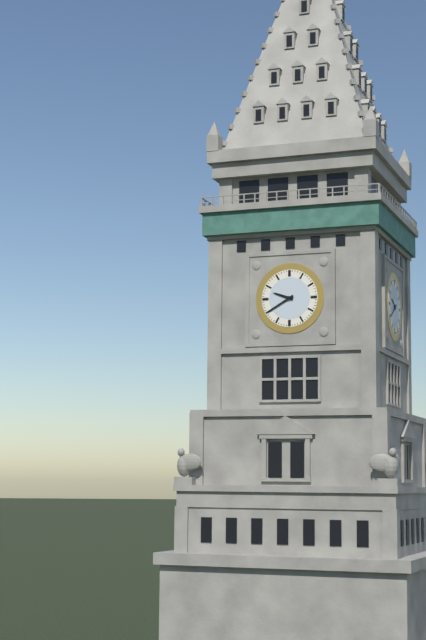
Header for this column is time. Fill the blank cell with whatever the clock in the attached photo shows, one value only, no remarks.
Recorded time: 9:40
